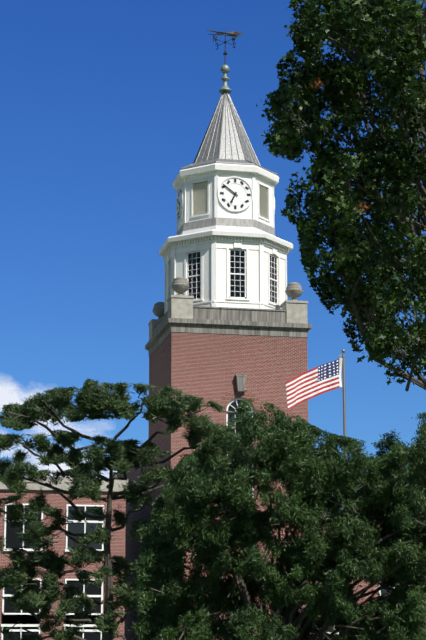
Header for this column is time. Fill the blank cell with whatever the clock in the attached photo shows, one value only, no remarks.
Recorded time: 6:51
